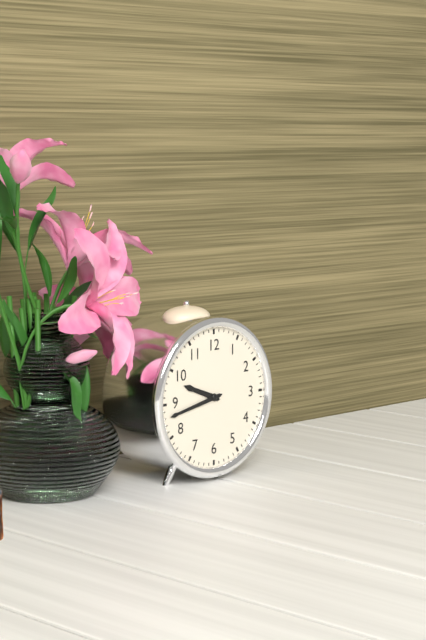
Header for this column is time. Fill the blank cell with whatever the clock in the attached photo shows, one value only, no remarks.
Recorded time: 9:43
